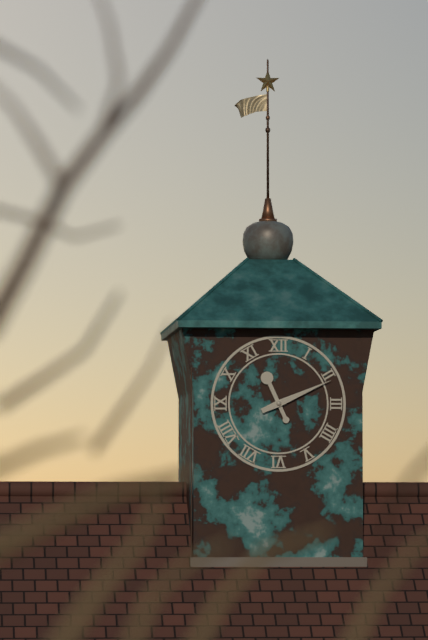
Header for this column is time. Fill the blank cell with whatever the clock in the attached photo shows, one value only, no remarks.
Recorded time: 11:11
